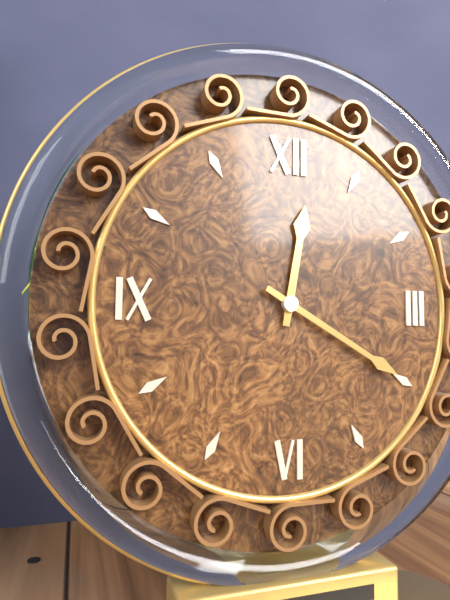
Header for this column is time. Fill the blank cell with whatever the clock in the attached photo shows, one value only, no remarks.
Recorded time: 12:20
